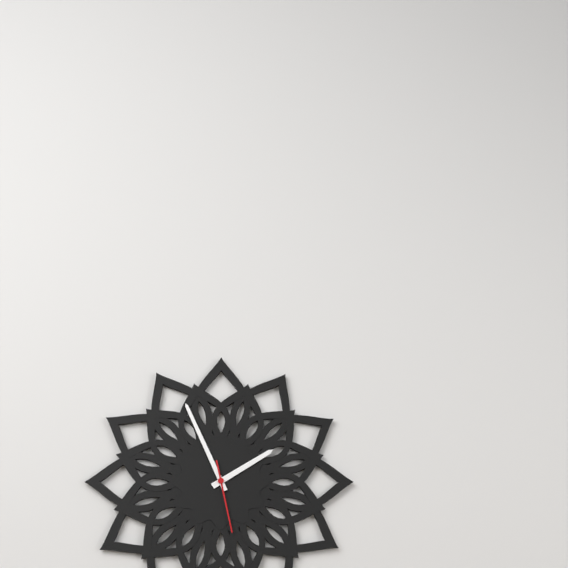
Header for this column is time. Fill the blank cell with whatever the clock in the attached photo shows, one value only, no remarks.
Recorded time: 1:56:28
